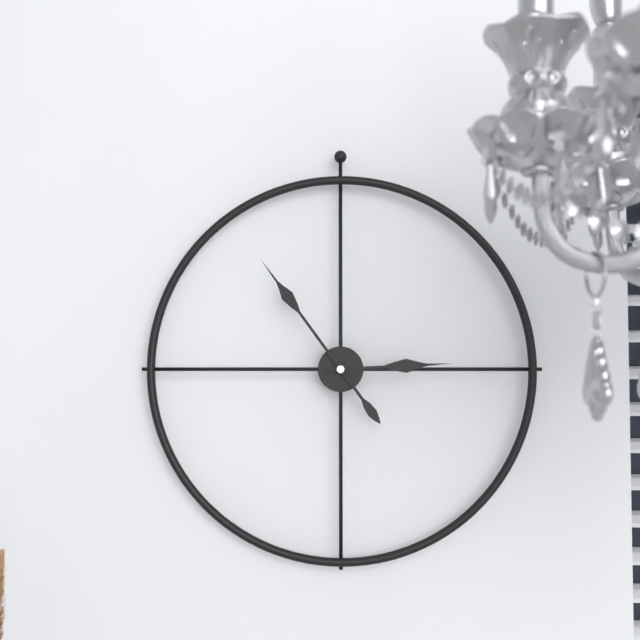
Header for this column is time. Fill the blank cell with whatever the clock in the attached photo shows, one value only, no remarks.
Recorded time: 2:54
